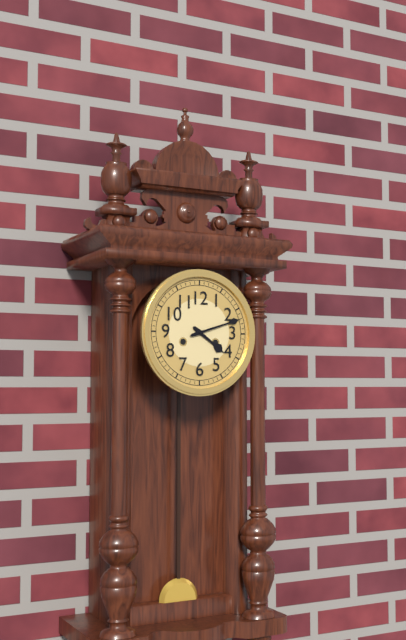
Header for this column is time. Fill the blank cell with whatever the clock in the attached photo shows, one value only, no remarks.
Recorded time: 4:12
